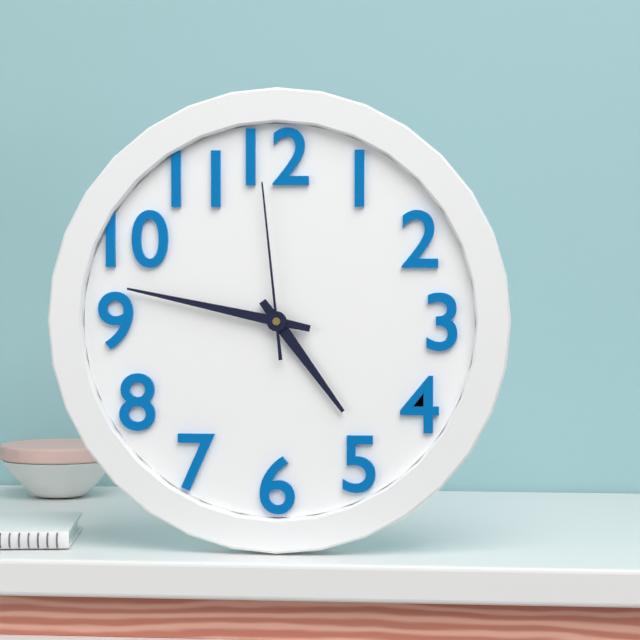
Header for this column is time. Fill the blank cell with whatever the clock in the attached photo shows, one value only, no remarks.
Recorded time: 4:47:59
